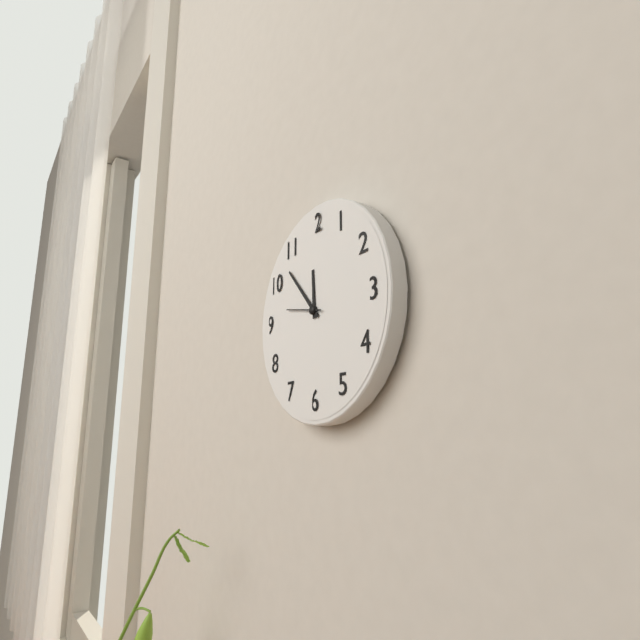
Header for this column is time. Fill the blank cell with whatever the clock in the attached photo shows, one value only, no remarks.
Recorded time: 11:53
